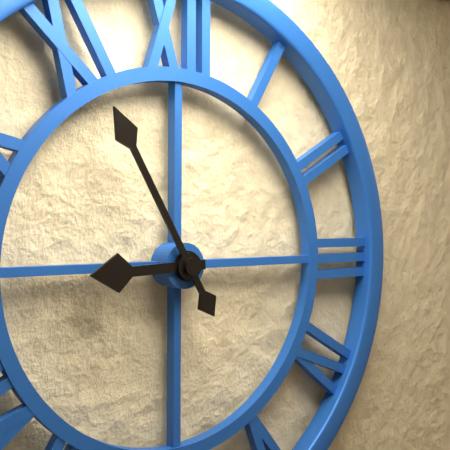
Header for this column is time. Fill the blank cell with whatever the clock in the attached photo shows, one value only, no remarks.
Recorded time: 8:55
